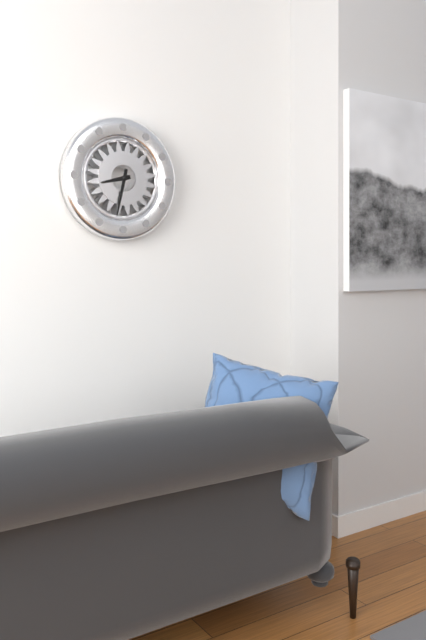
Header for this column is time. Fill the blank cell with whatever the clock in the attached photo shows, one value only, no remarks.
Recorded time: 8:32
